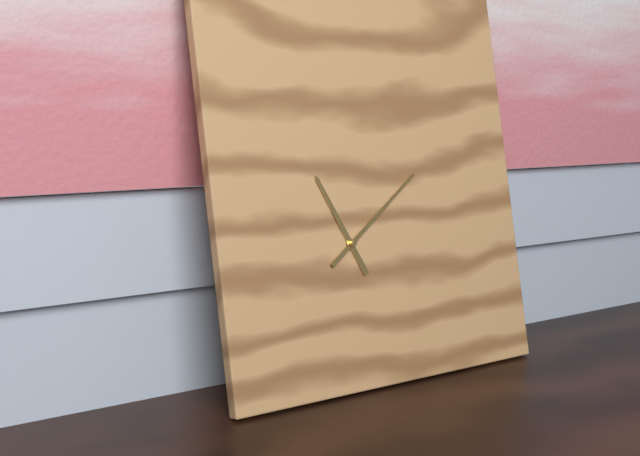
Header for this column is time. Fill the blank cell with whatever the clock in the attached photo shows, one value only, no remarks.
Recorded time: 11:09
